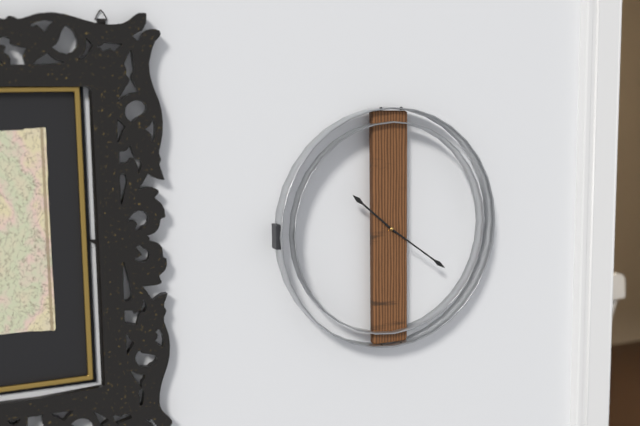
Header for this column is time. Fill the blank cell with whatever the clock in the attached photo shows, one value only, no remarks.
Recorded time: 10:21
